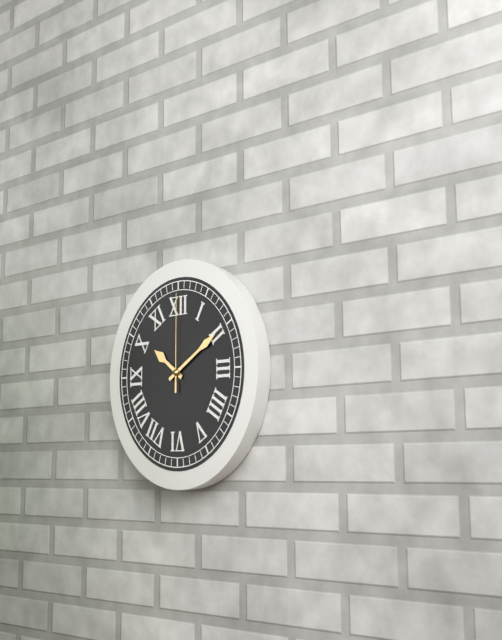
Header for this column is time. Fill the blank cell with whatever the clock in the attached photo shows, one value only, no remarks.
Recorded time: 10:10:00
